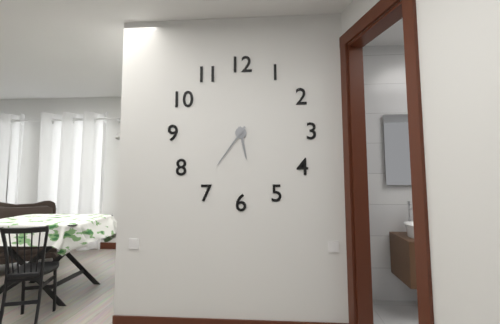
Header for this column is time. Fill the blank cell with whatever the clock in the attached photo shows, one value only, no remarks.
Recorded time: 5:36
